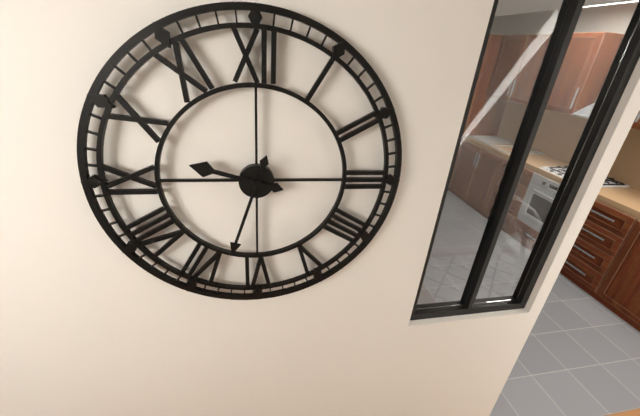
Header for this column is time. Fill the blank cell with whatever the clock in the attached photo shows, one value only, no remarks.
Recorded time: 9:33
